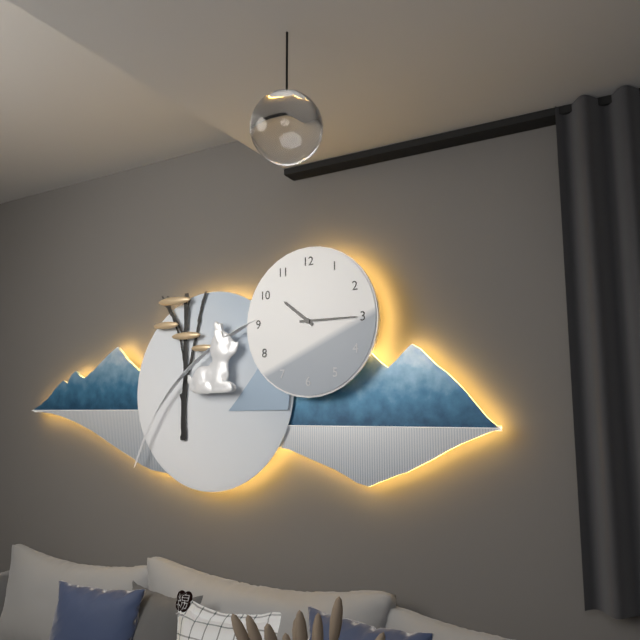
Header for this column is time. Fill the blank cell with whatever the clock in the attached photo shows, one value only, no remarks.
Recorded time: 10:15
